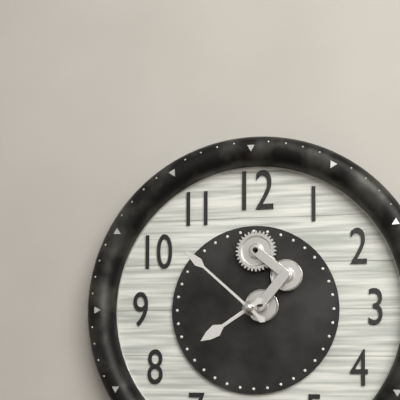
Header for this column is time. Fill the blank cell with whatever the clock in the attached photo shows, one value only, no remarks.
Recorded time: 7:52
